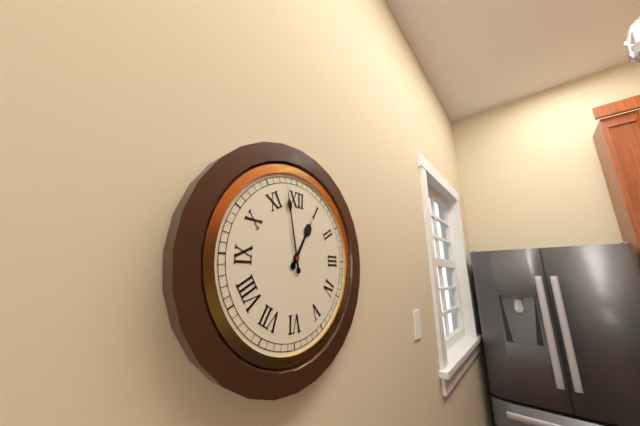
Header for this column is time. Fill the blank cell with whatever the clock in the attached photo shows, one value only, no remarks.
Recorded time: 12:58
